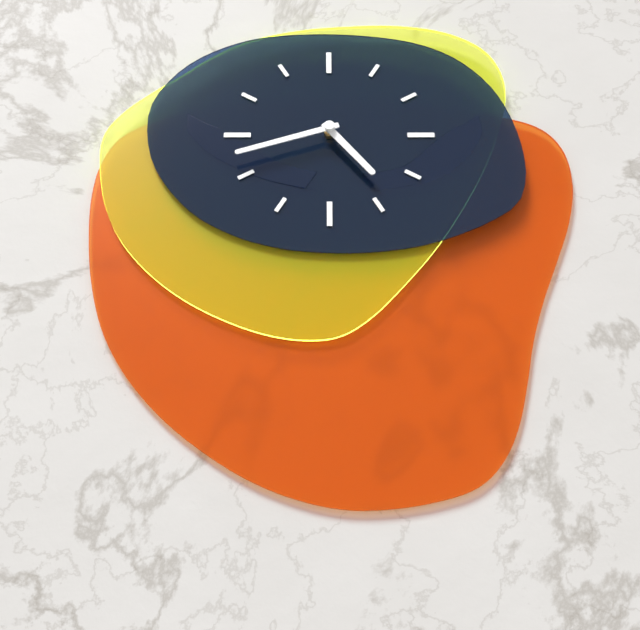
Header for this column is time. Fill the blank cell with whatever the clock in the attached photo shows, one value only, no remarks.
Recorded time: 4:42
